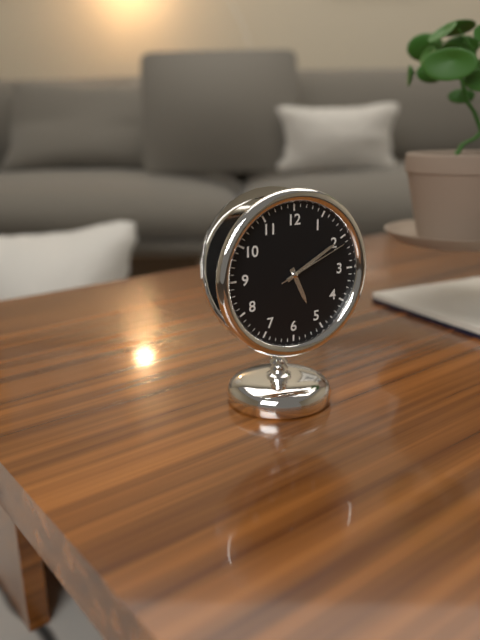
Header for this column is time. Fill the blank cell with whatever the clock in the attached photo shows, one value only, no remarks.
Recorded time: 5:10:11
